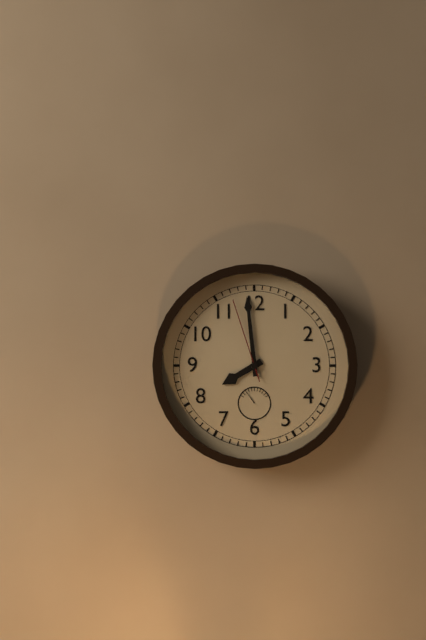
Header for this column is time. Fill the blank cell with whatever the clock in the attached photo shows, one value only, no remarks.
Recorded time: 7:59:57
